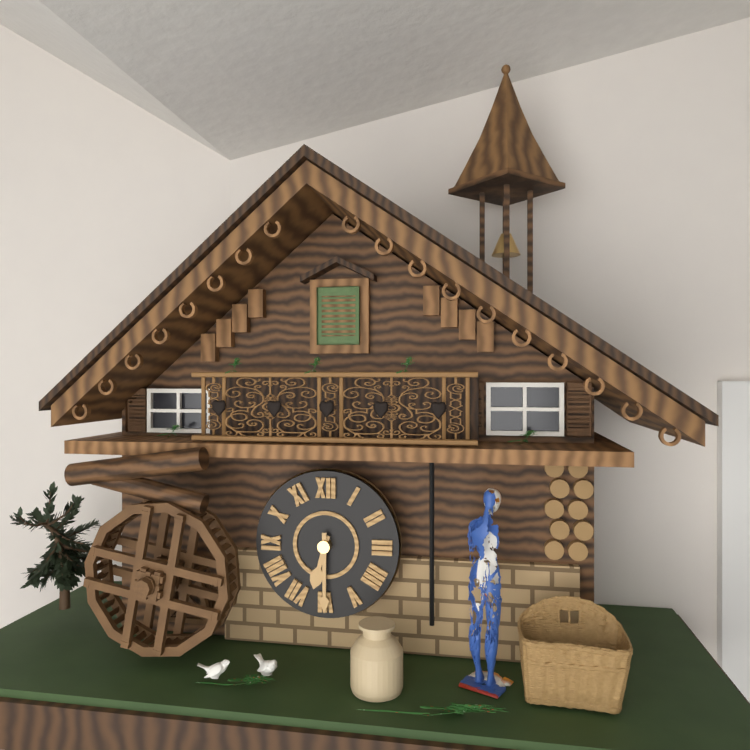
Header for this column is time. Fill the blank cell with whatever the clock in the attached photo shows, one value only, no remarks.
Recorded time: 6:30
